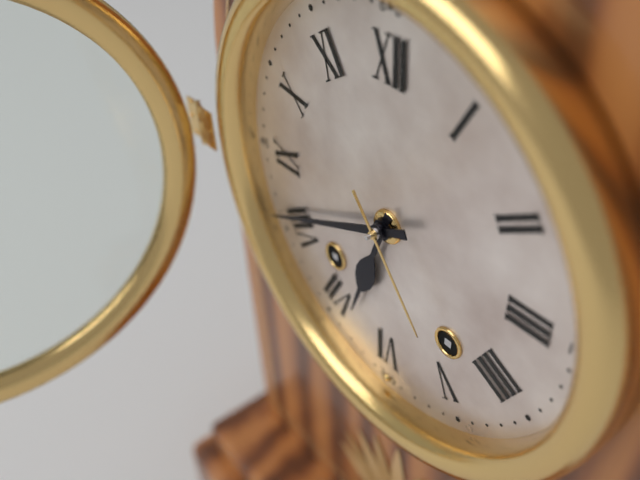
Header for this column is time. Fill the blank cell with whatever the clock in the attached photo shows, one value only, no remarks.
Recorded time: 6:41
